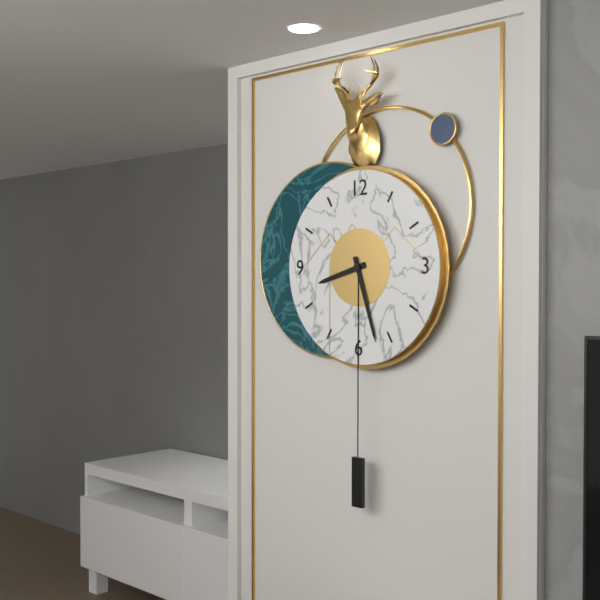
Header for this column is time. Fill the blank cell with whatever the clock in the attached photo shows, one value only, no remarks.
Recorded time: 8:27
